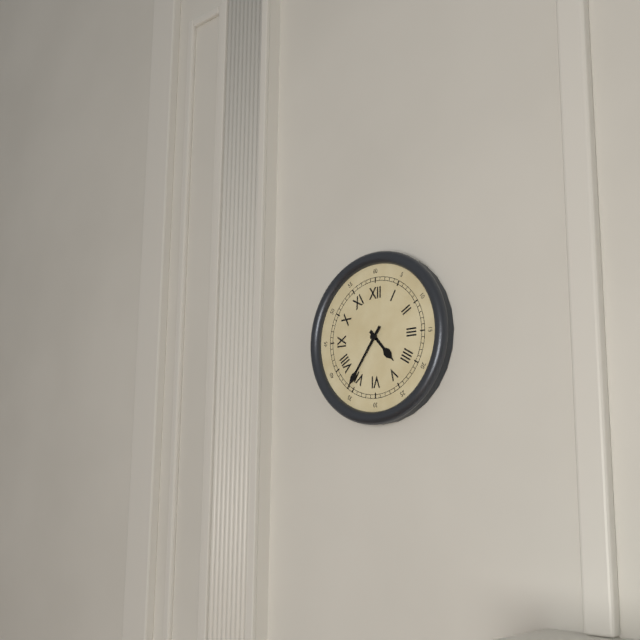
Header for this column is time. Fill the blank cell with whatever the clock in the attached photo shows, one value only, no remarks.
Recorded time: 4:36
